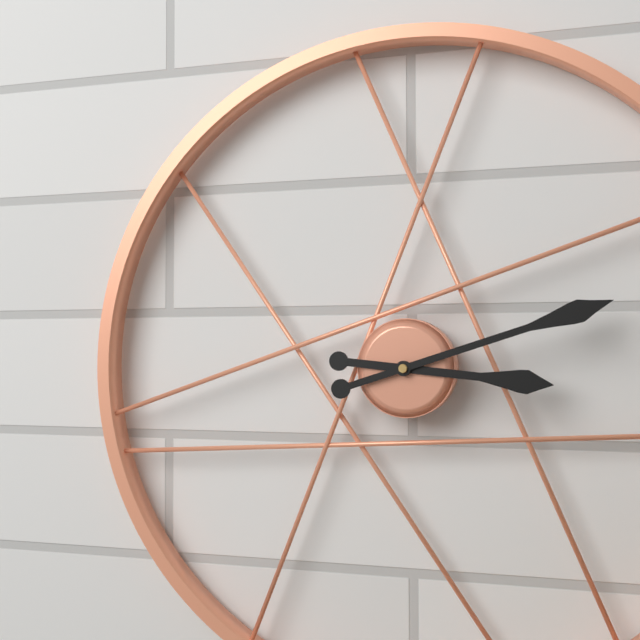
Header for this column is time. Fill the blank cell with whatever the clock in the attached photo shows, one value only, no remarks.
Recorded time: 3:12
